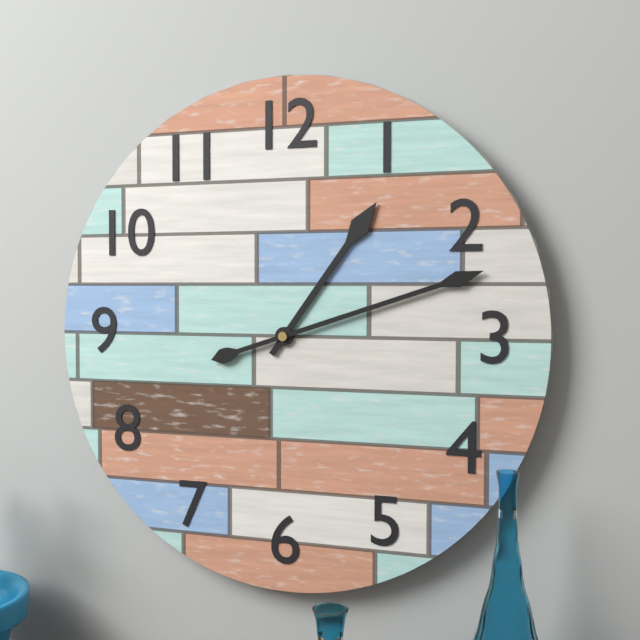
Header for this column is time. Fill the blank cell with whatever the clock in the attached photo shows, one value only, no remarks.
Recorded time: 1:12
